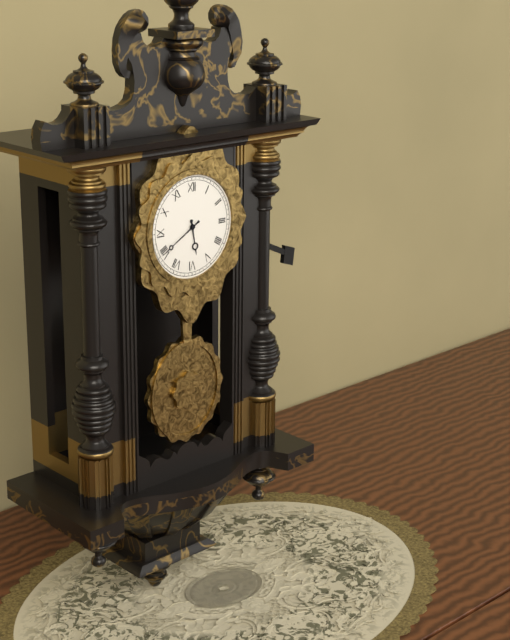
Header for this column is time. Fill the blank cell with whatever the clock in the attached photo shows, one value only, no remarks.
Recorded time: 5:40
